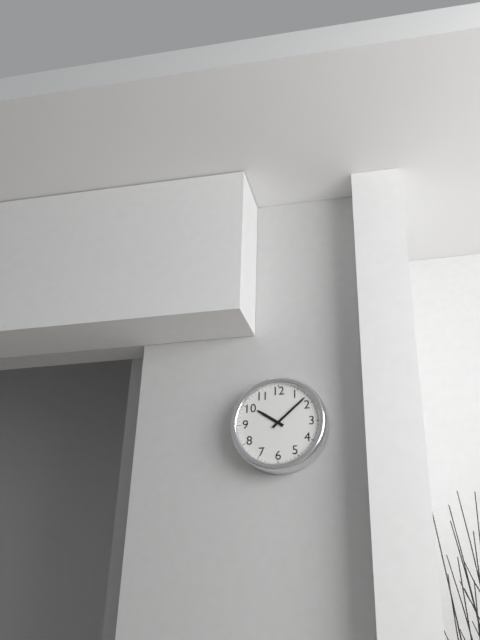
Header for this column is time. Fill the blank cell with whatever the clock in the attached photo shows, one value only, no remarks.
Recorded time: 10:08
